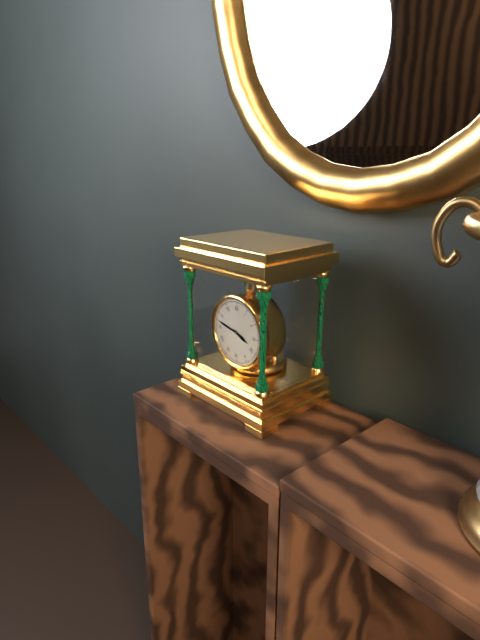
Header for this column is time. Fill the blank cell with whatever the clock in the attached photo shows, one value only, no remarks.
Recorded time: 3:47
